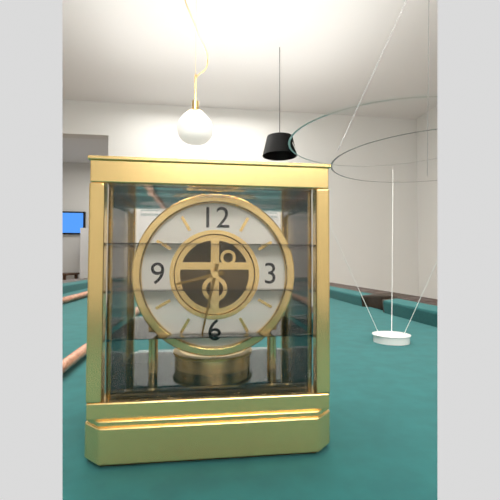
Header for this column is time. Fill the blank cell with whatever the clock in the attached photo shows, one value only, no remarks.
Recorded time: 8:32
